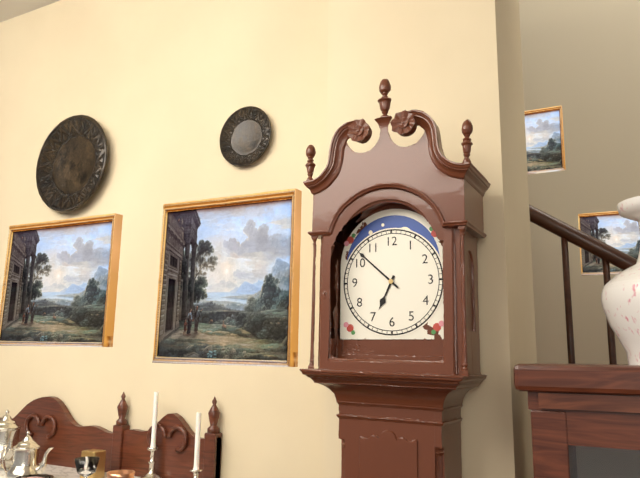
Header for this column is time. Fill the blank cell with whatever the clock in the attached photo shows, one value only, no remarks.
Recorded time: 6:52
